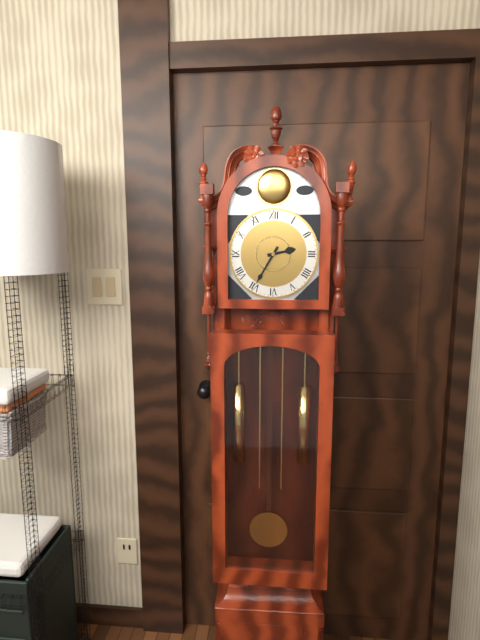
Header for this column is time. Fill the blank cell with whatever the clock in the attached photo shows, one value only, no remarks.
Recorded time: 2:35
